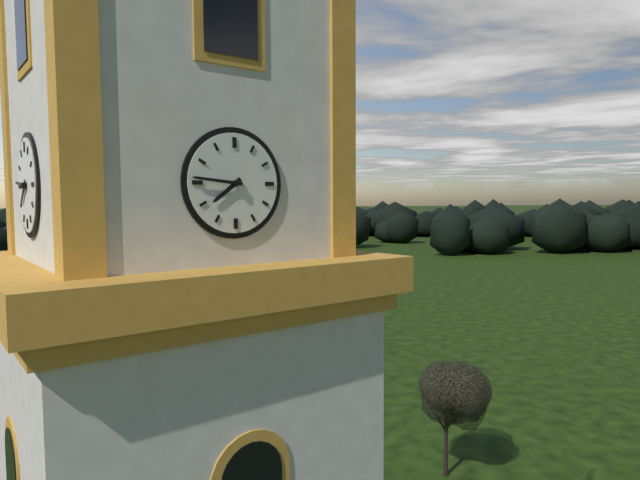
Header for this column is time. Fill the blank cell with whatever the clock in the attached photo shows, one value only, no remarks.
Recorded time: 7:46
